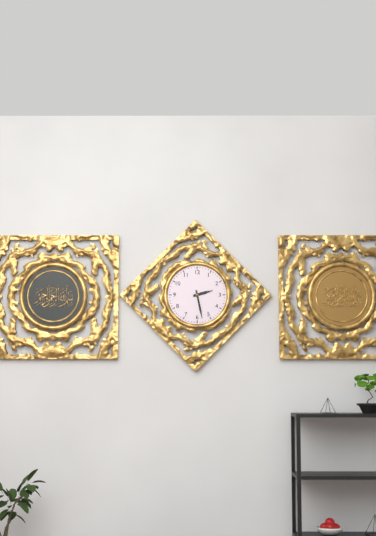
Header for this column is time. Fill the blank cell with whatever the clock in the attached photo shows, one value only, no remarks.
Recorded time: 2:28
